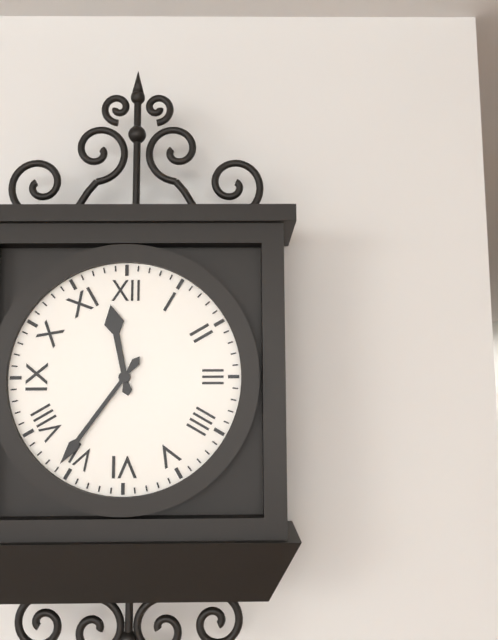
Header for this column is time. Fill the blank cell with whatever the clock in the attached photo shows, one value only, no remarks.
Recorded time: 11:36
